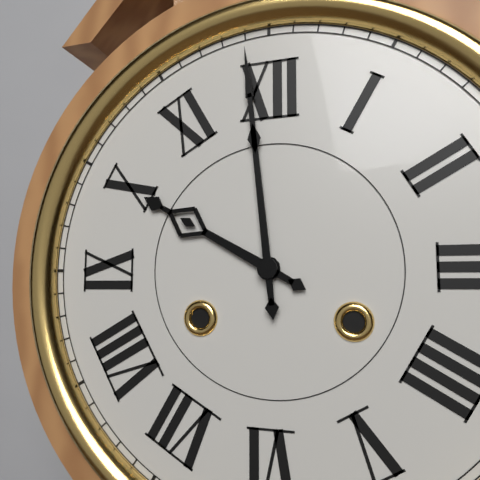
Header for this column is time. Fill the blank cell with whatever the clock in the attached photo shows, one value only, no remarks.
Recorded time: 9:59
